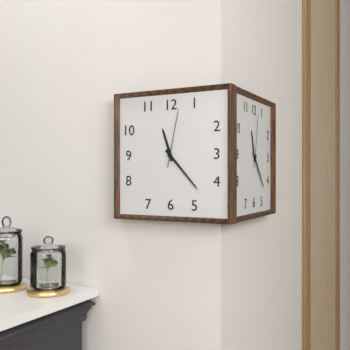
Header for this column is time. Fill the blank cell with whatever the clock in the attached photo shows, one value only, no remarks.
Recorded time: 11:23:02
